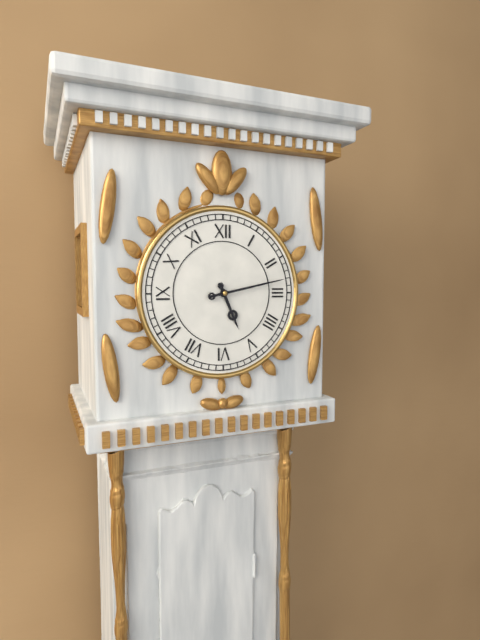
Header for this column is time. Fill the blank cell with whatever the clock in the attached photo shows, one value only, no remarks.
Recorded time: 5:13
